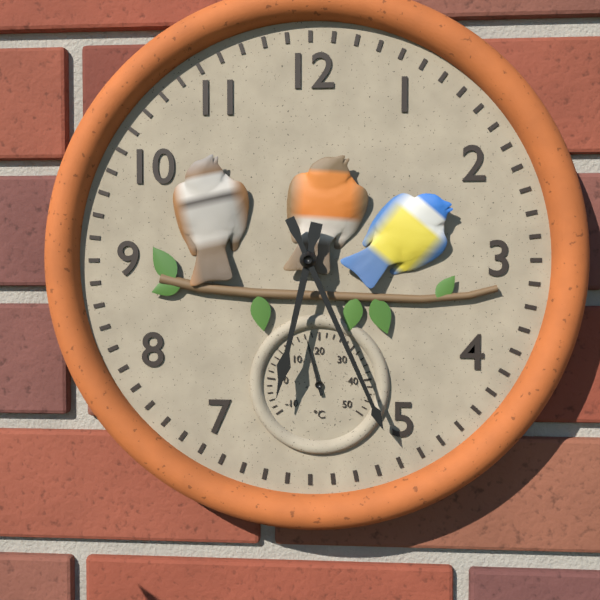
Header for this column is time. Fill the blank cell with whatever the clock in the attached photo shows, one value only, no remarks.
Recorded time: 6:26
